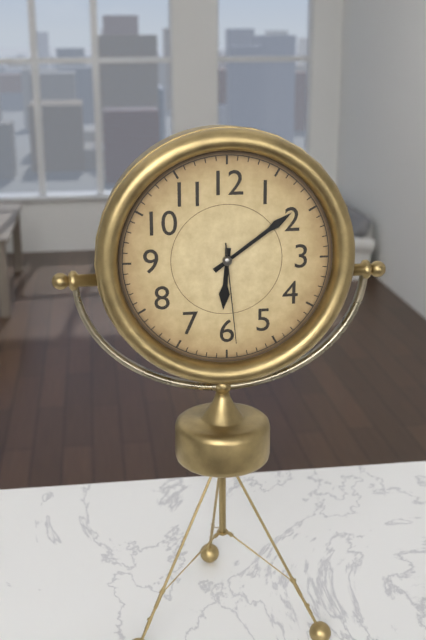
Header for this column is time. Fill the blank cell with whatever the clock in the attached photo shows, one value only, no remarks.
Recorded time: 6:09:29
